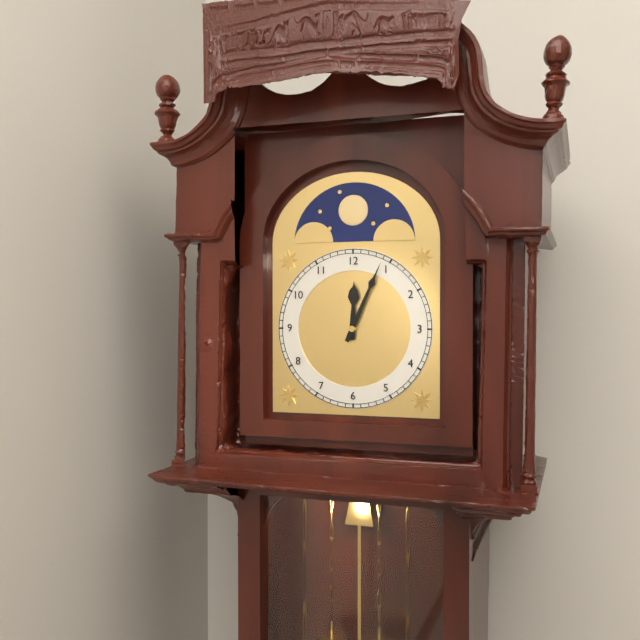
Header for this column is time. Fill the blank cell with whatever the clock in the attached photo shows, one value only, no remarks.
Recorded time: 12:04
